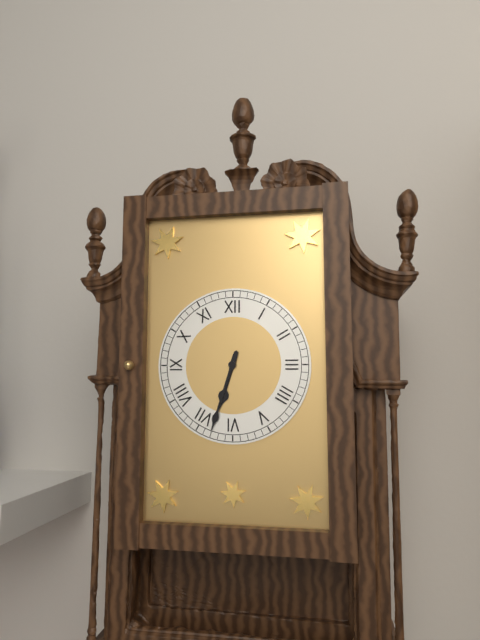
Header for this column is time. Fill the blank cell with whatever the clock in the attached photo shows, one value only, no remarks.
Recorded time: 6:33
